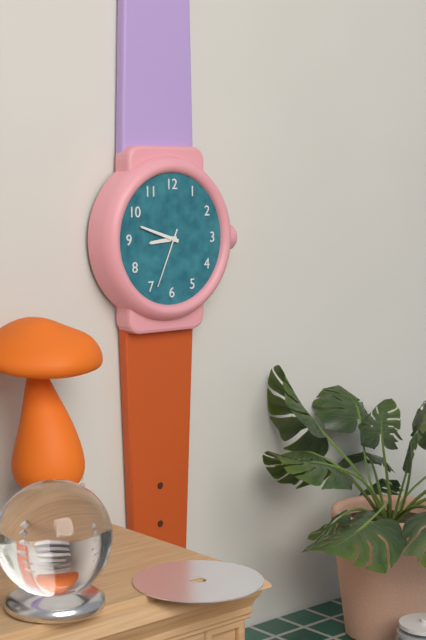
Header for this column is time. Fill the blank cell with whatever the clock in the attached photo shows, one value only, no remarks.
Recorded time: 8:48:34
